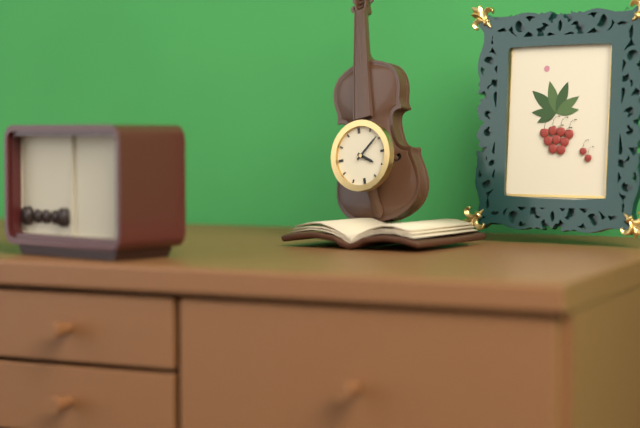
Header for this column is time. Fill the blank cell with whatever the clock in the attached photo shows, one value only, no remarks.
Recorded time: 4:09
